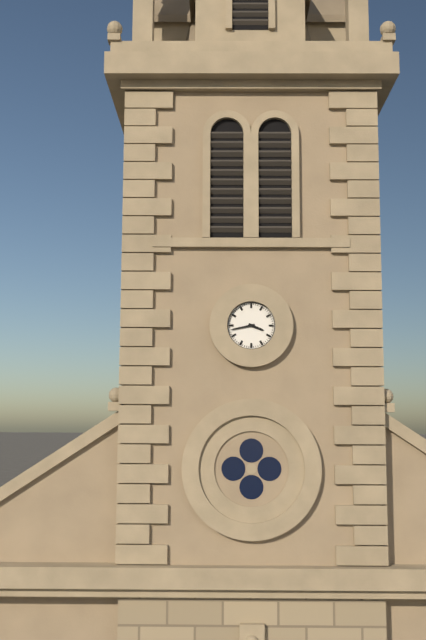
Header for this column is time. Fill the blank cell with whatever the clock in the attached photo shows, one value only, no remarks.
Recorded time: 3:43
